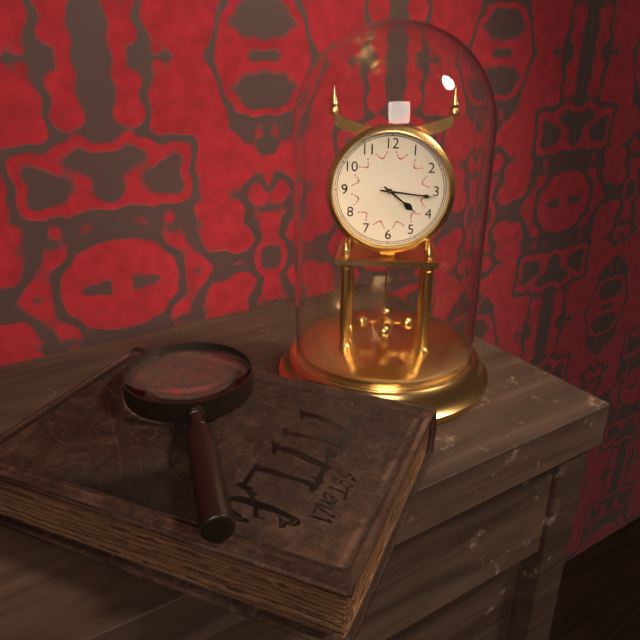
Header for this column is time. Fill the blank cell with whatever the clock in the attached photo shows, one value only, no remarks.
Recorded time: 4:16
